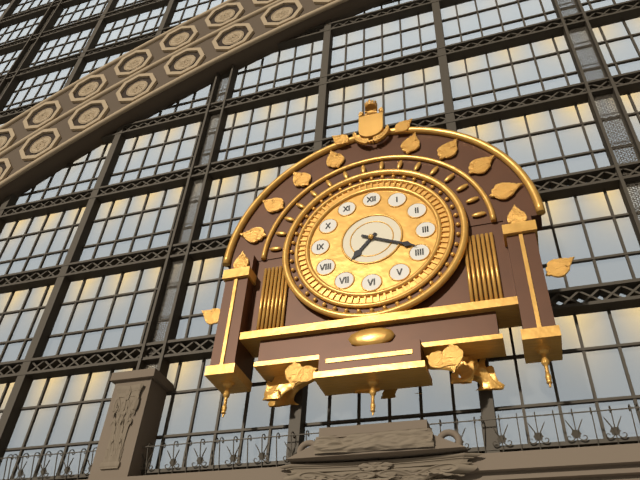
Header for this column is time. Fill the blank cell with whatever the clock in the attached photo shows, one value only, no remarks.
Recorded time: 7:19
